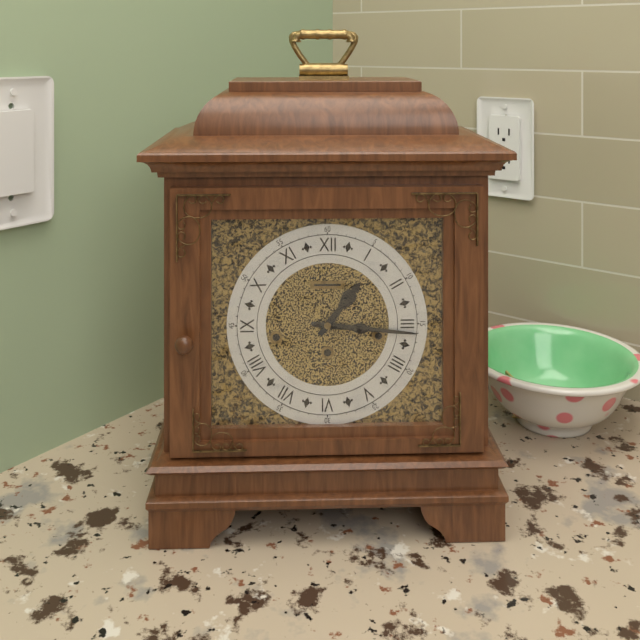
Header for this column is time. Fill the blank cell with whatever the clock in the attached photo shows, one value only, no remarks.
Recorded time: 1:16
